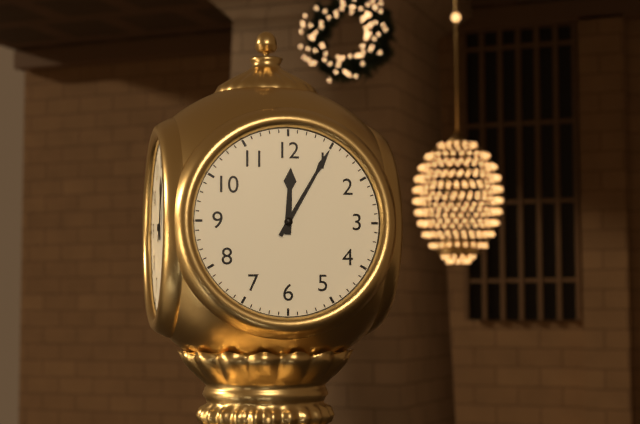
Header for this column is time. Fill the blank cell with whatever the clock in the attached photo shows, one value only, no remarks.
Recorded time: 12:05
